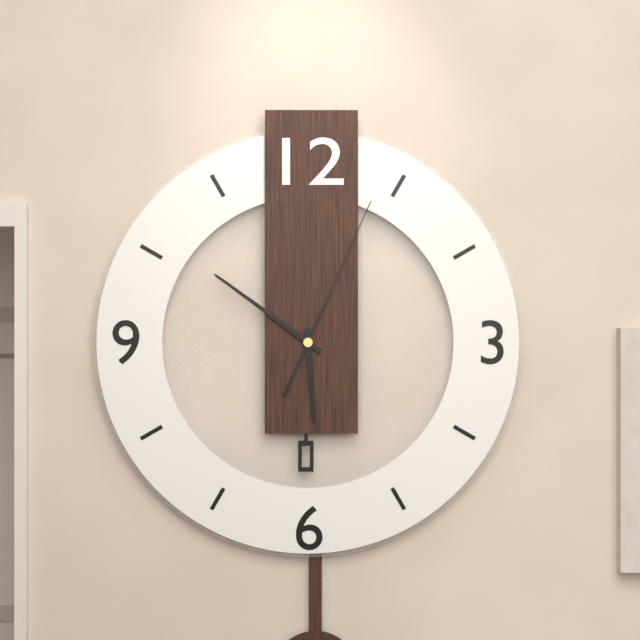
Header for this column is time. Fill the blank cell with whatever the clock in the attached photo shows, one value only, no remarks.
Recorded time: 5:51:04
